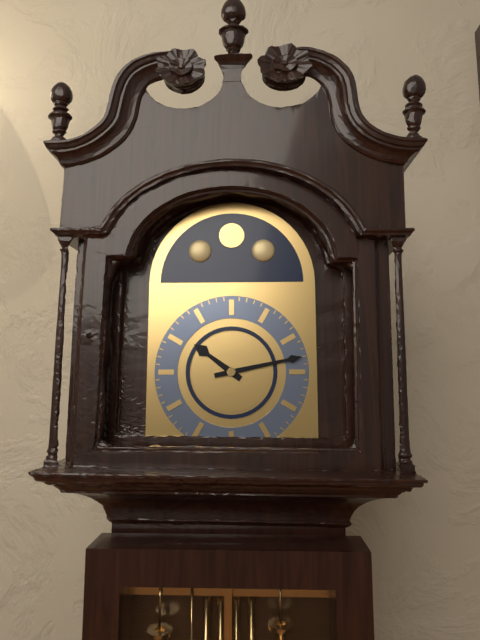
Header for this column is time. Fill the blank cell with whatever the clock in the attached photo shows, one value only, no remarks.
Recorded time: 10:13
